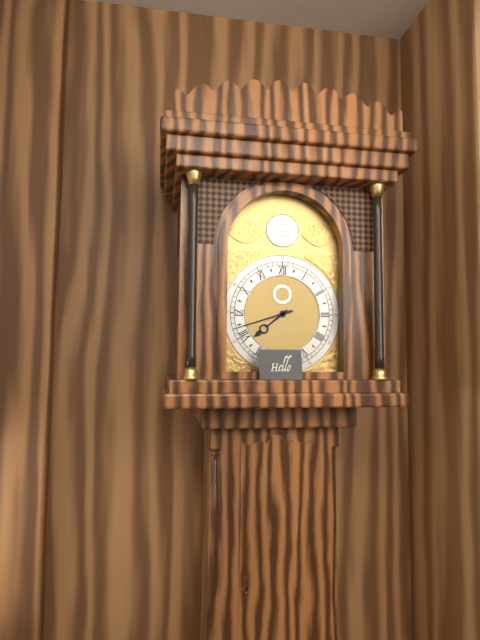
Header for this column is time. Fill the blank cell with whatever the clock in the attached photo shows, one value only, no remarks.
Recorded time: 7:42
